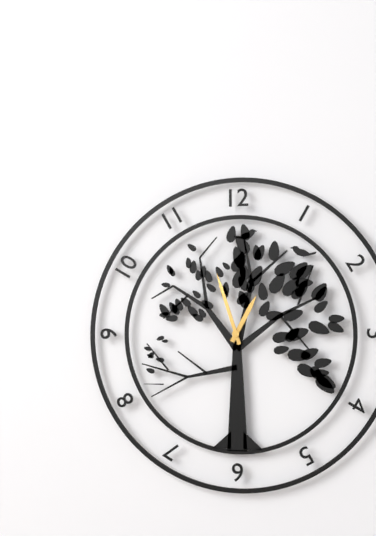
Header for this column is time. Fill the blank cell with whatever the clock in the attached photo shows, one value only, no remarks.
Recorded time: 12:57
